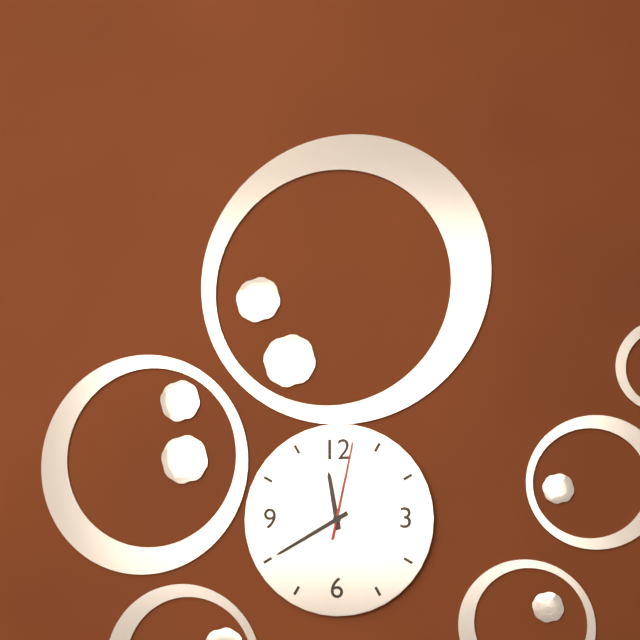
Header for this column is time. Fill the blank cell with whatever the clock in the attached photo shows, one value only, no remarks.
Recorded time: 11:40:02
